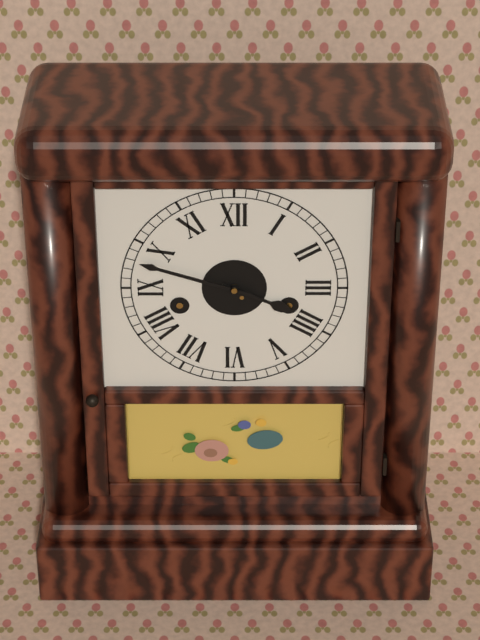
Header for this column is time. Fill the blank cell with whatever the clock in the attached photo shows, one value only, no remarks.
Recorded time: 3:48
